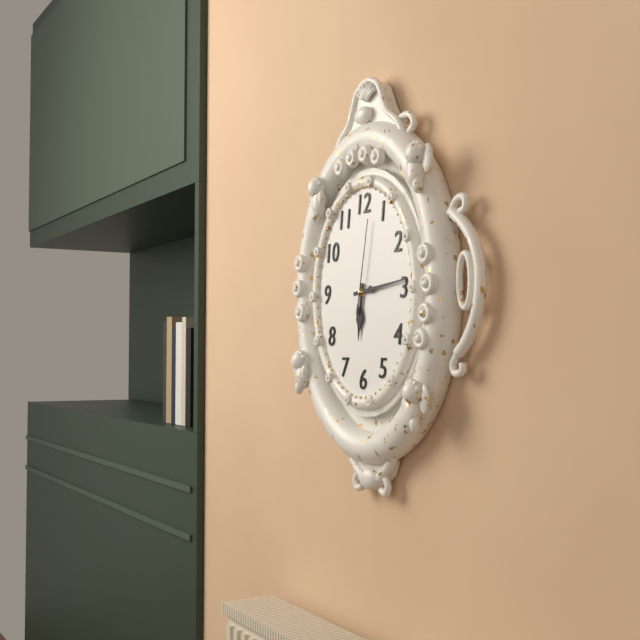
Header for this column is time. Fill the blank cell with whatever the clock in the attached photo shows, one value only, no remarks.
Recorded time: 6:14:02
